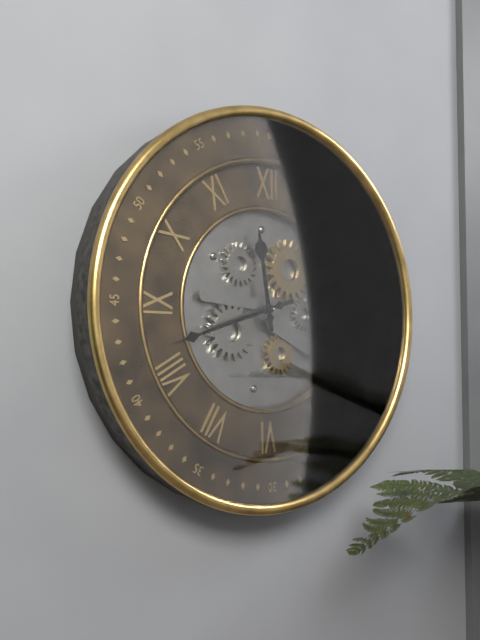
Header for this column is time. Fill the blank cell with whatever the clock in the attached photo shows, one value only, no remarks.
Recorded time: 11:42
